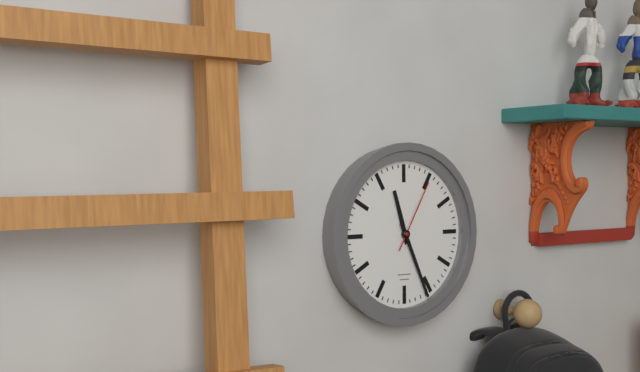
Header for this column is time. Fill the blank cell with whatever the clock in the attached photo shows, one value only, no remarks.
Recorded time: 11:26:05
